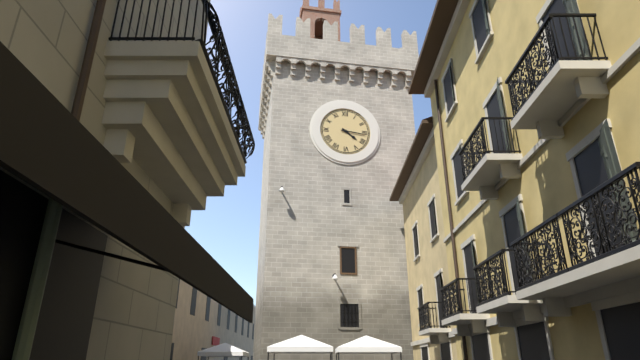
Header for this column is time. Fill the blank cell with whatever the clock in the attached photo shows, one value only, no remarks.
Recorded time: 4:16
